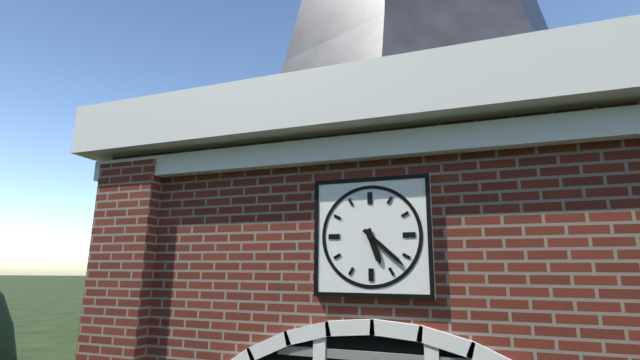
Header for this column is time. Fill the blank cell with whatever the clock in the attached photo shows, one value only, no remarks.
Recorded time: 5:22
